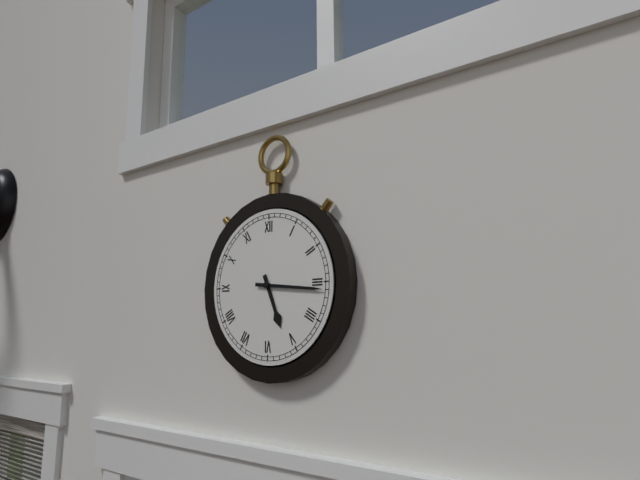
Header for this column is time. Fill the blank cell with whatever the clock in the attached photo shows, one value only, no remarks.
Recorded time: 5:16
